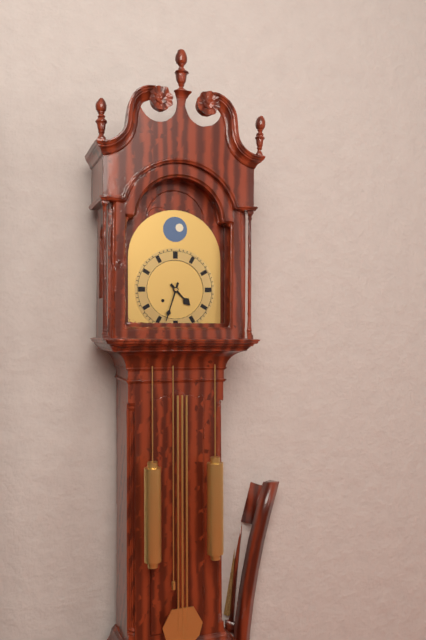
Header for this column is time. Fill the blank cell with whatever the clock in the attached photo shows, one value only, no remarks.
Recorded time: 4:33
